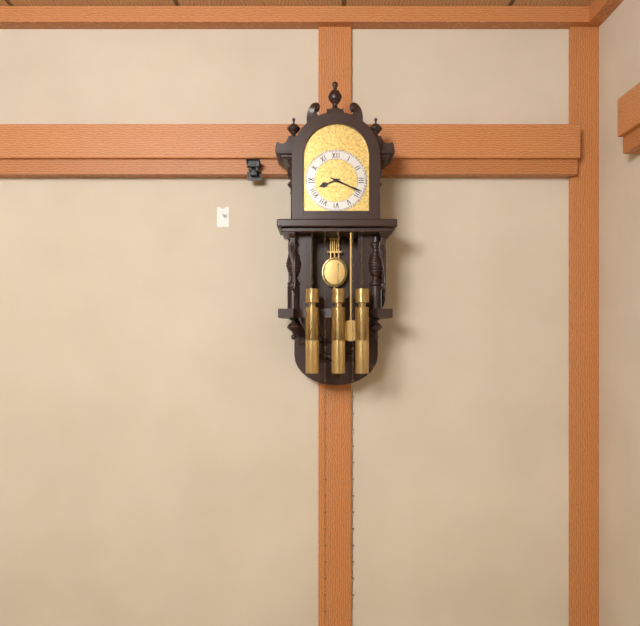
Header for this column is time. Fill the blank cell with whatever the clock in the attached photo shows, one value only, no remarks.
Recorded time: 8:19
